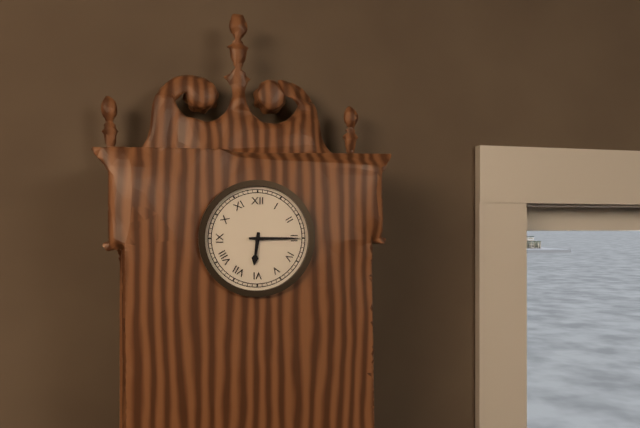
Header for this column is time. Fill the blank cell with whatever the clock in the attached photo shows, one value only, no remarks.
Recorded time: 6:15
